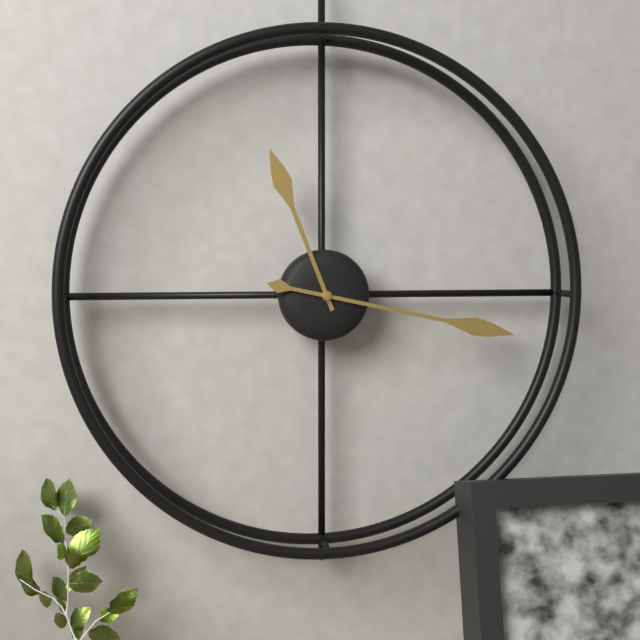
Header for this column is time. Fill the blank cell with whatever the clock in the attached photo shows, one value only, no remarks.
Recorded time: 11:17
